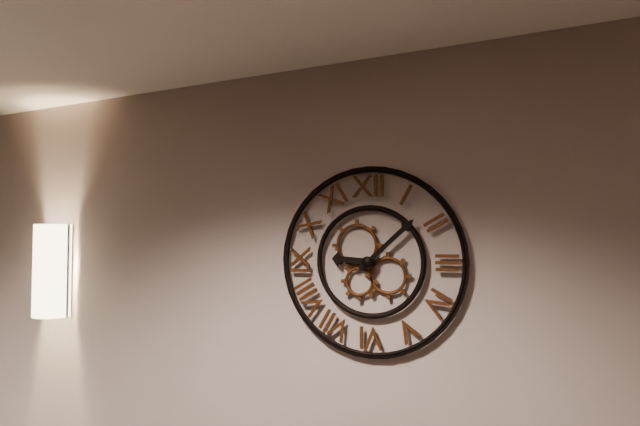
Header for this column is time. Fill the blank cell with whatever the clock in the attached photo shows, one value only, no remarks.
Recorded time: 9:08
